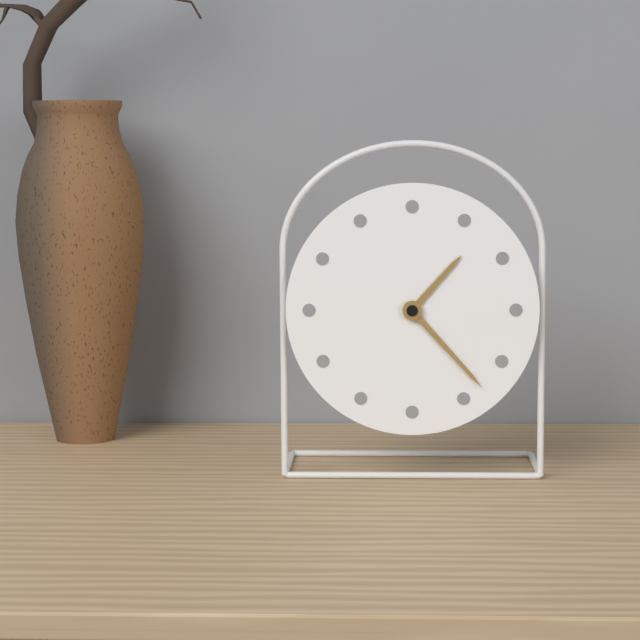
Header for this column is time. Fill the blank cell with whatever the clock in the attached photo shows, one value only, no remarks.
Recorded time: 1:23
